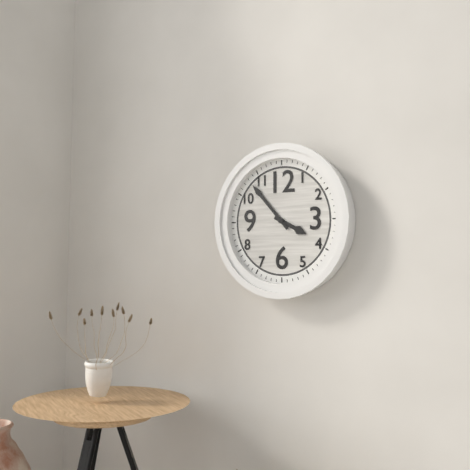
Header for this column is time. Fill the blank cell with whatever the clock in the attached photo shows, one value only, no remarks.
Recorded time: 3:53
